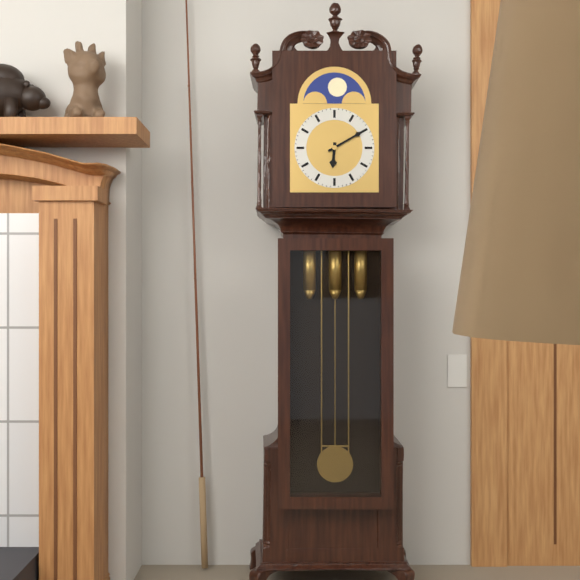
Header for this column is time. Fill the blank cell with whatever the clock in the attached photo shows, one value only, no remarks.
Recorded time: 6:10
